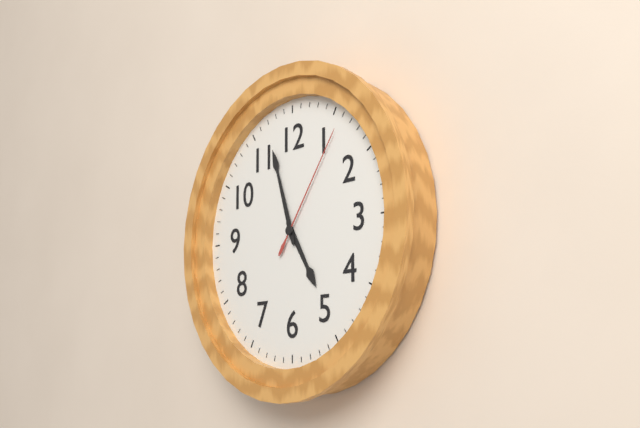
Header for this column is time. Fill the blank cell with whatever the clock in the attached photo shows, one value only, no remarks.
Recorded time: 4:57:06
